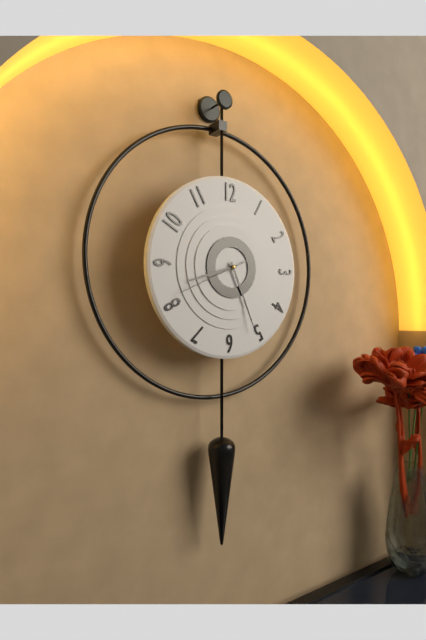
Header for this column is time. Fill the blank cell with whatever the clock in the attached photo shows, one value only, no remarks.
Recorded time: 8:26:41
